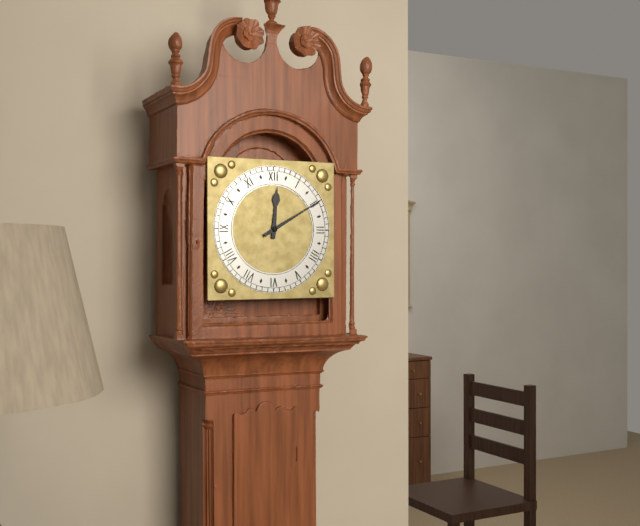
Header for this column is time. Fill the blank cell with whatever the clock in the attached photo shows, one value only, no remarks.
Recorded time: 12:10
